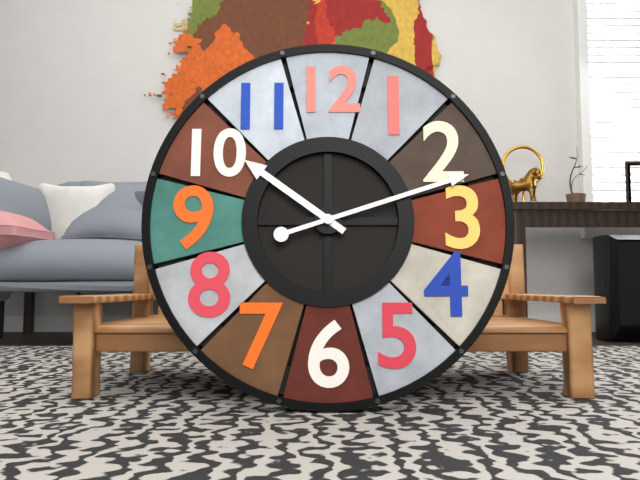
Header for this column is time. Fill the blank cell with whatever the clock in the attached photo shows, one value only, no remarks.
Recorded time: 10:12
